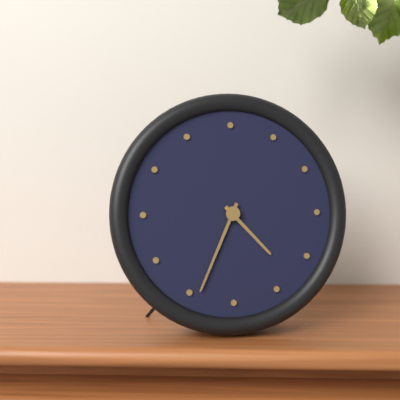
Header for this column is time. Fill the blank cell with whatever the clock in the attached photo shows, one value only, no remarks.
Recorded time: 4:34
